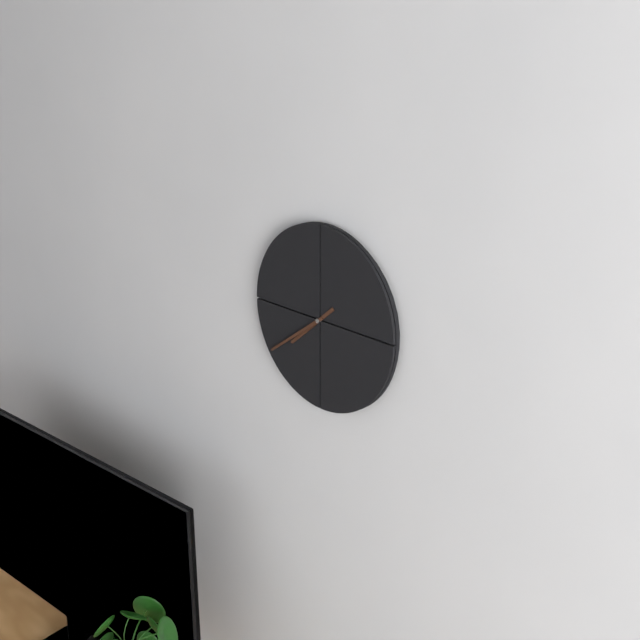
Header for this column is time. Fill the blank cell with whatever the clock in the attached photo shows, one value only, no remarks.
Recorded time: 7:39
